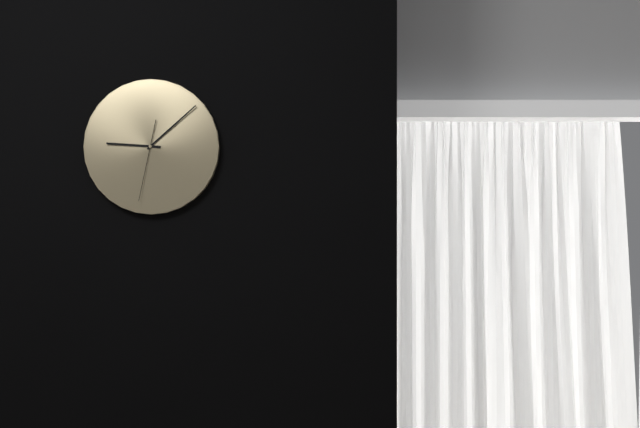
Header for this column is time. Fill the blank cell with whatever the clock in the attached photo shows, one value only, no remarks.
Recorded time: 9:08:32
